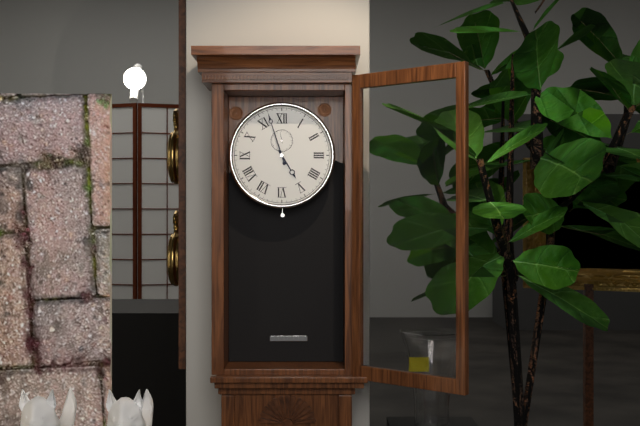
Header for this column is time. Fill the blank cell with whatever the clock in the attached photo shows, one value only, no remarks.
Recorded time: 4:57
